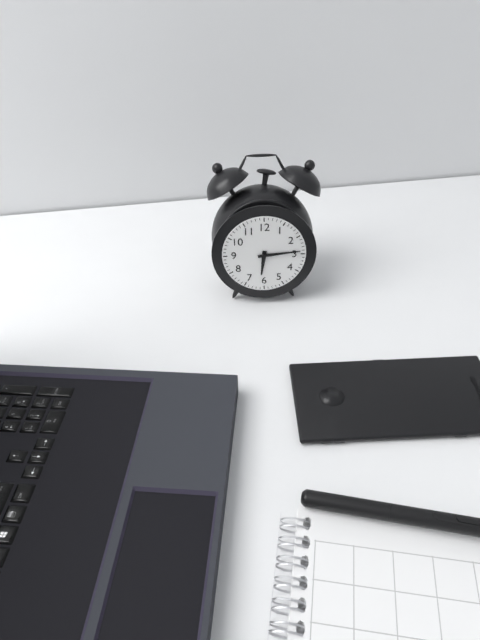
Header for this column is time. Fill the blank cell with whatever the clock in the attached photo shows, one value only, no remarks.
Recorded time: 6:14
